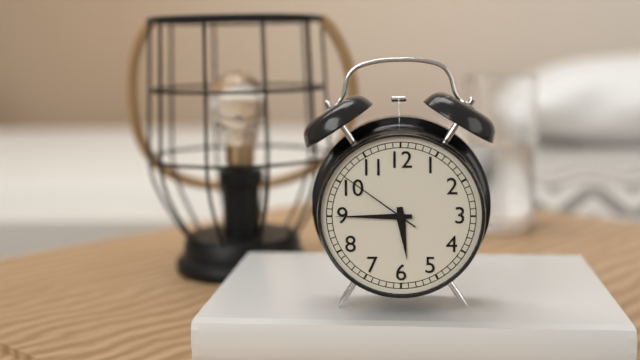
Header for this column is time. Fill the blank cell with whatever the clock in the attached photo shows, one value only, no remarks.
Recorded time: 5:45:51
